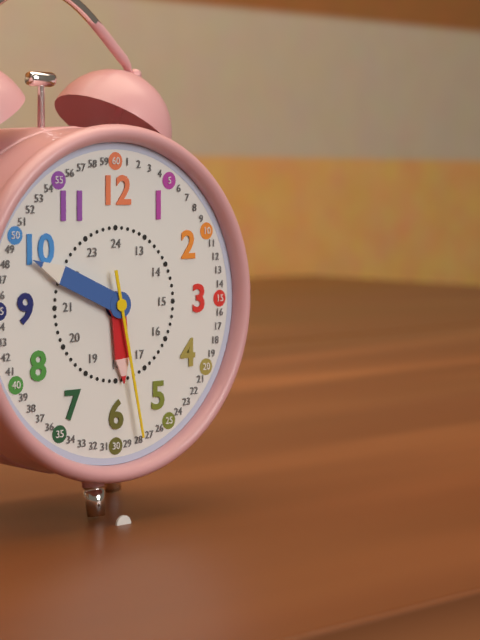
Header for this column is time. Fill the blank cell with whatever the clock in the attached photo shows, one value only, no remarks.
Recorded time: 5:49:28
